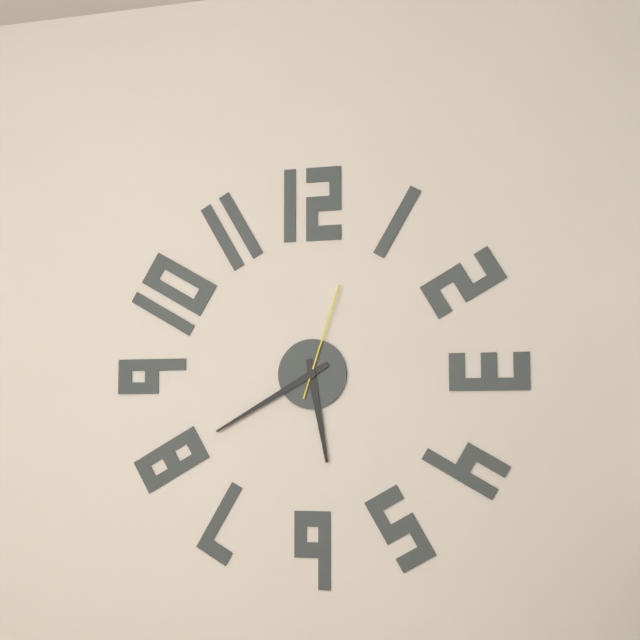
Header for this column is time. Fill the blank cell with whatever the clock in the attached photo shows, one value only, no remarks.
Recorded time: 5:40:03
